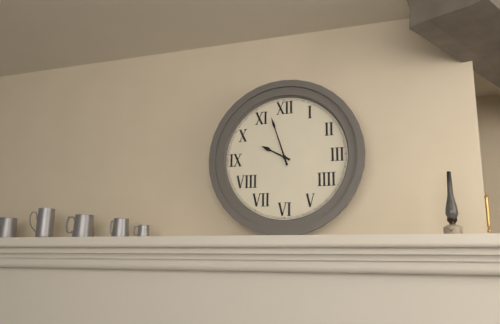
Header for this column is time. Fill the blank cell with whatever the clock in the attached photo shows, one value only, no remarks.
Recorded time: 9:57
